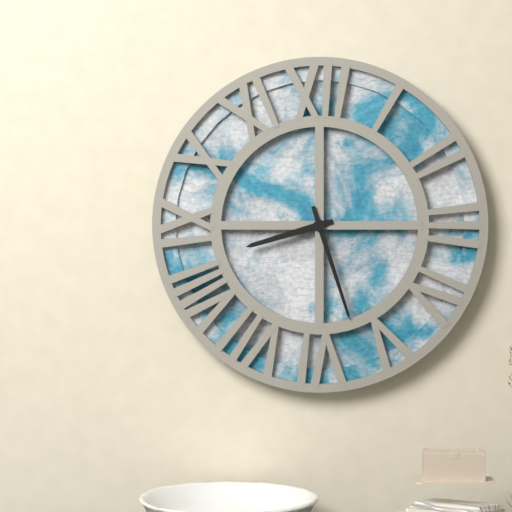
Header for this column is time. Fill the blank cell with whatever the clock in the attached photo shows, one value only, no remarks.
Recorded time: 8:27
